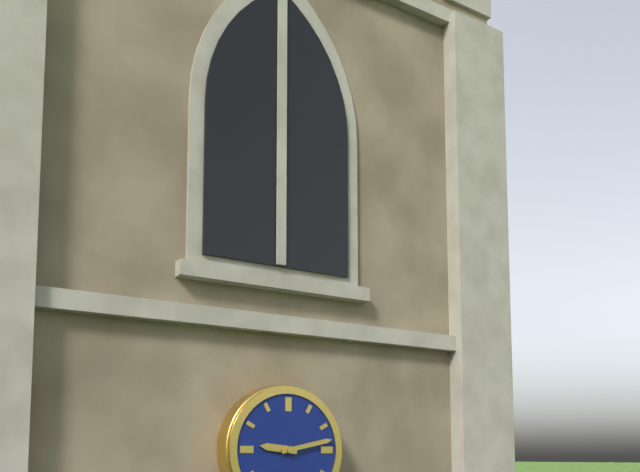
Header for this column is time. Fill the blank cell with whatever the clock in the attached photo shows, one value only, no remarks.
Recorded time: 9:13
